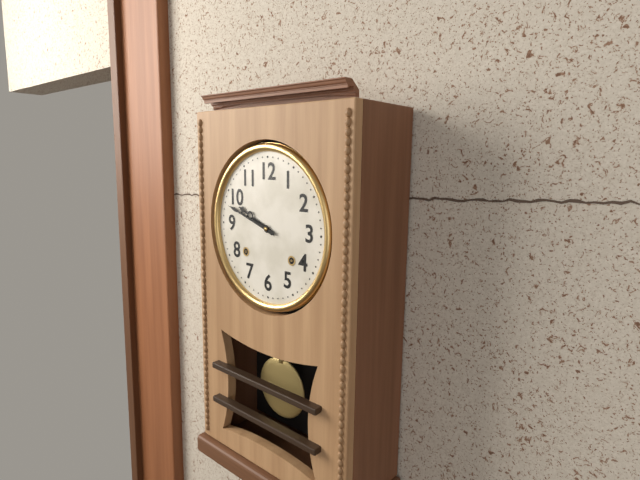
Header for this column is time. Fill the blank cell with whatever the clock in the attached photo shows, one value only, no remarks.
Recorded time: 9:48
